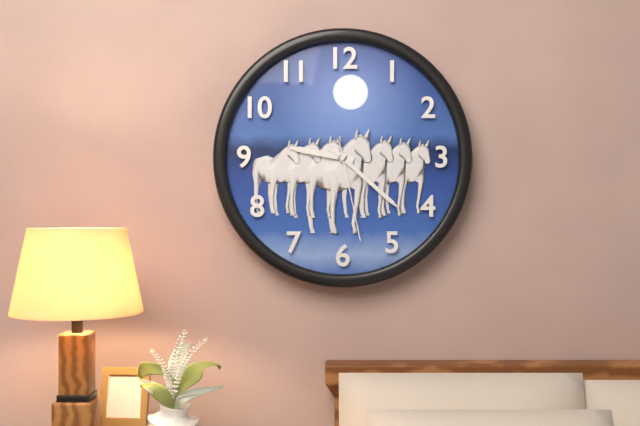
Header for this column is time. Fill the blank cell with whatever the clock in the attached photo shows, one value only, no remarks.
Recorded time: 9:22:28
